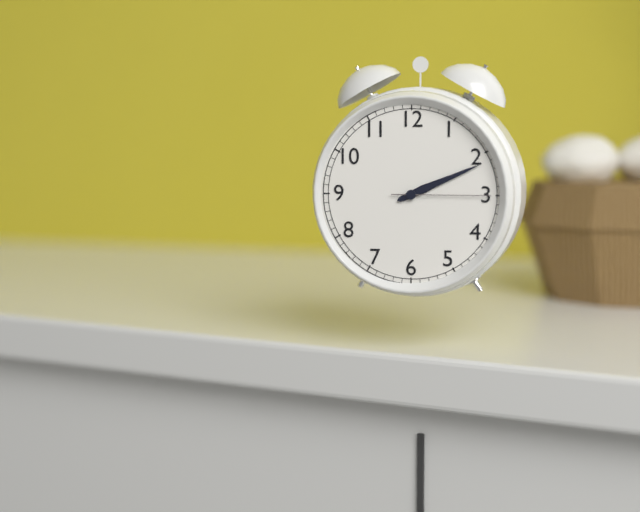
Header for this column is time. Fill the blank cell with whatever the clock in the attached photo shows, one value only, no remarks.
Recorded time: 2:11:15
